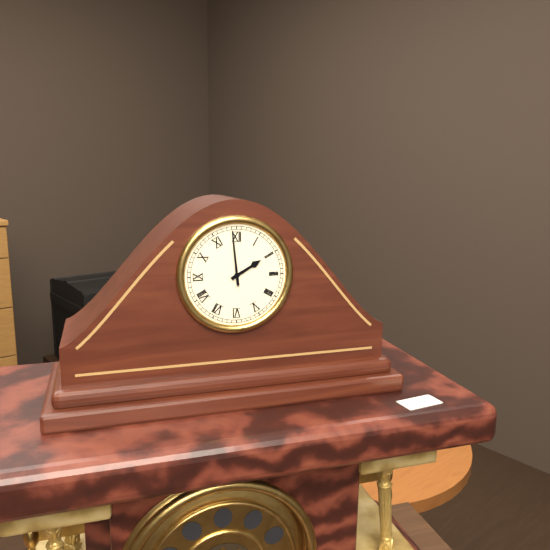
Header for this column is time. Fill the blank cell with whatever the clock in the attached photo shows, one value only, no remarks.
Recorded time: 1:59
